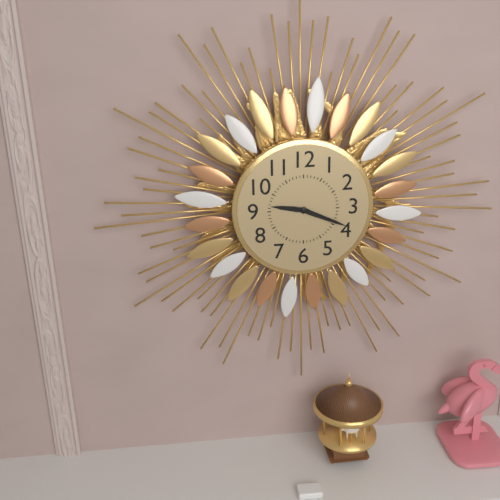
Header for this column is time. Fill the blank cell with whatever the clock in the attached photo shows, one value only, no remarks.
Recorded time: 9:19
